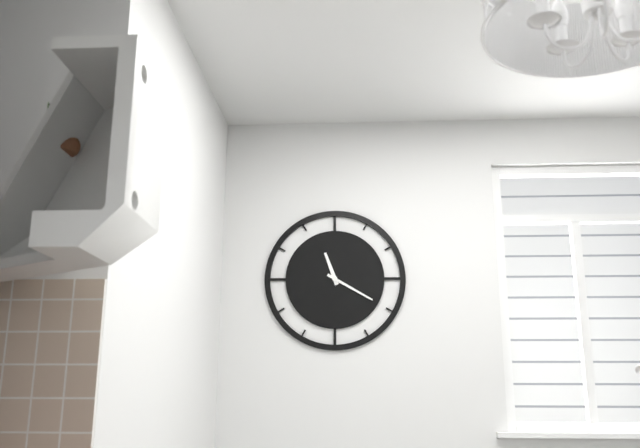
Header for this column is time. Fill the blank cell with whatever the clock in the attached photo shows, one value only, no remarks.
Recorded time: 11:20
